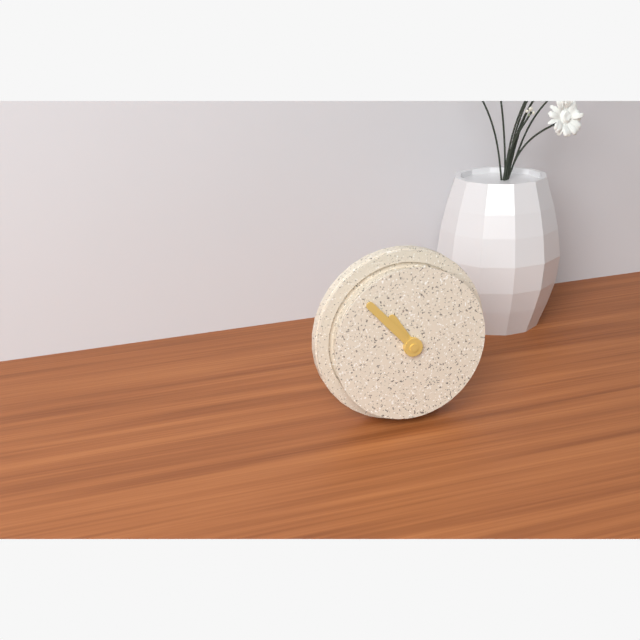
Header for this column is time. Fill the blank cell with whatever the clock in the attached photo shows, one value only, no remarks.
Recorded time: 10:53
